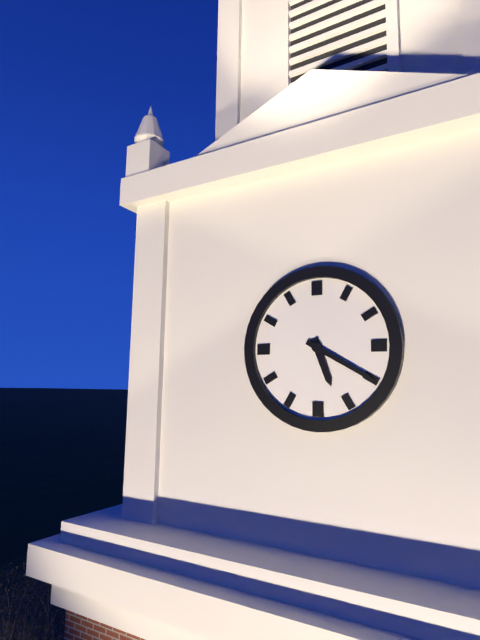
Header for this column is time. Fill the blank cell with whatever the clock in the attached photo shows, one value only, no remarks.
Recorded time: 5:20
